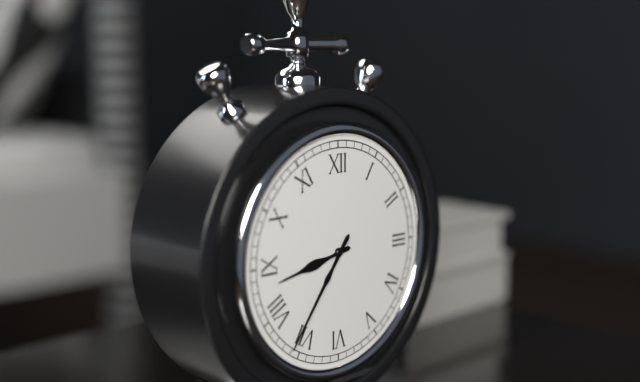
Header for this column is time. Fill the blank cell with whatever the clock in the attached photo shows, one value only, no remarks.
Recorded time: 8:36
